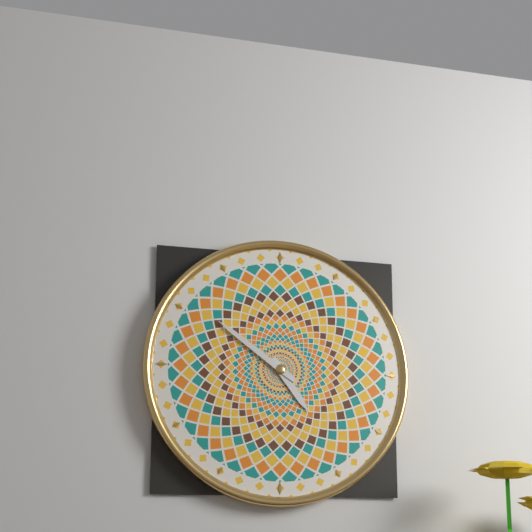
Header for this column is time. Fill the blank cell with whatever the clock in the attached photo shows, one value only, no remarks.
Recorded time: 4:51
